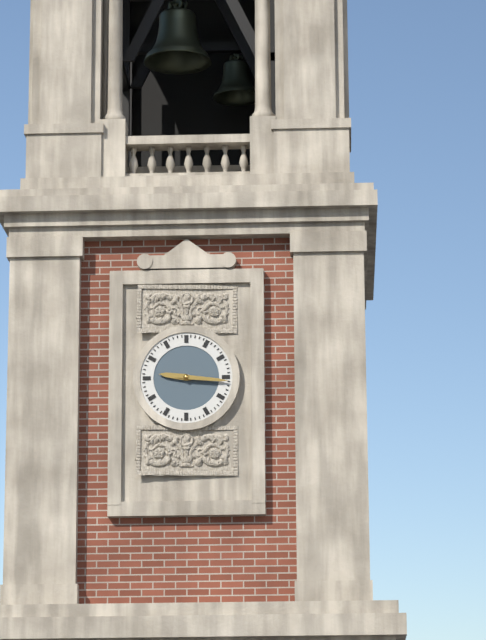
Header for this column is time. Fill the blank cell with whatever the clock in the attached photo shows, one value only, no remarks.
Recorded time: 9:16
